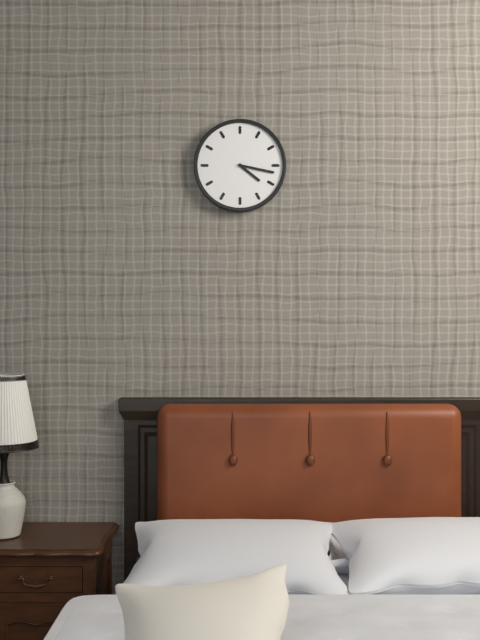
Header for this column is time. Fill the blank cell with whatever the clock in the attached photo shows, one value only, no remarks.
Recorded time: 4:17
